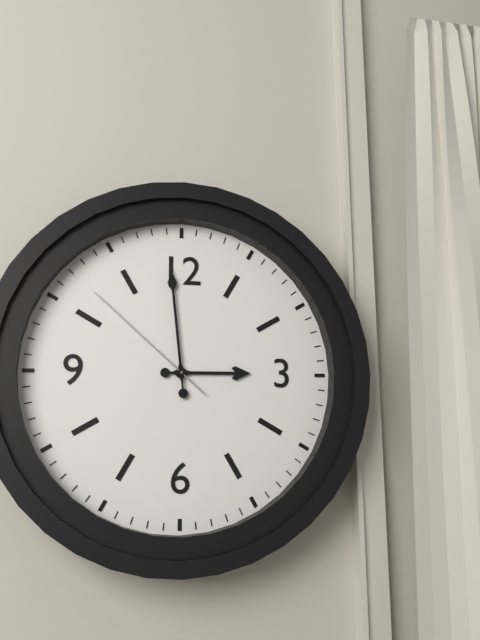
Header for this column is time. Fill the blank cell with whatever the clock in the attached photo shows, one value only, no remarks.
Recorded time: 2:59:52
